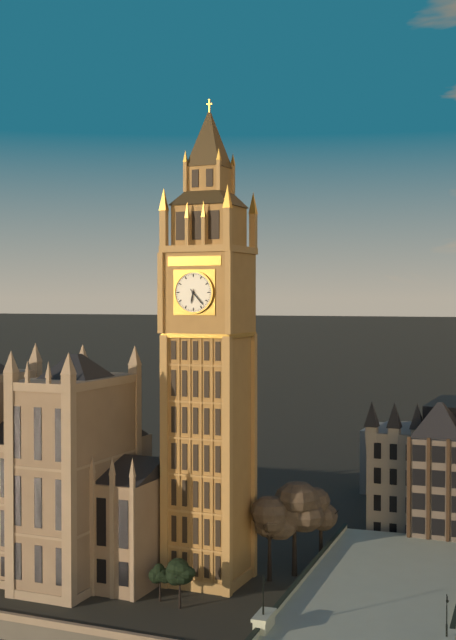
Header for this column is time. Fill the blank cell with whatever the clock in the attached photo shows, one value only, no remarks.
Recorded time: 6:23
